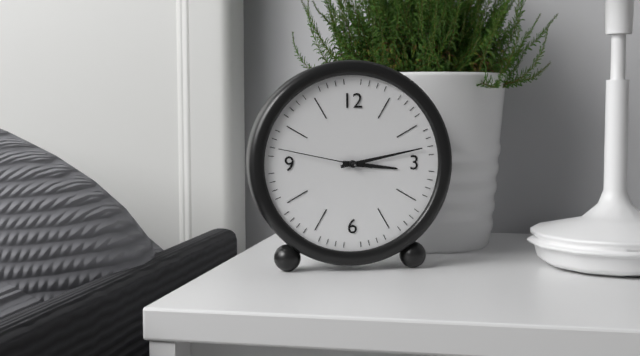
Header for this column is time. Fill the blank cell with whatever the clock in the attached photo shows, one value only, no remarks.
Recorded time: 3:13:47
